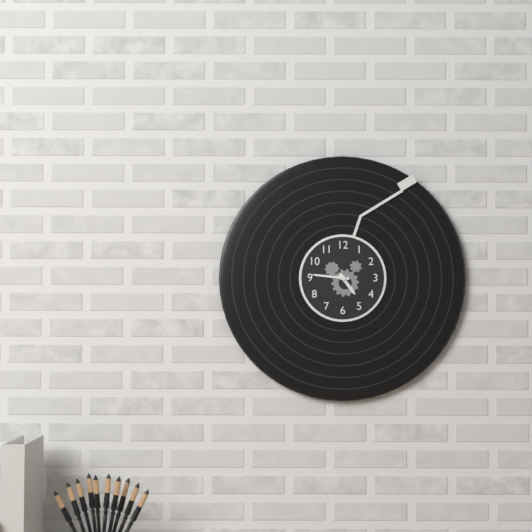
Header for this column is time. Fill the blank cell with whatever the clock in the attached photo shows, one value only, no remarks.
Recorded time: 4:46
